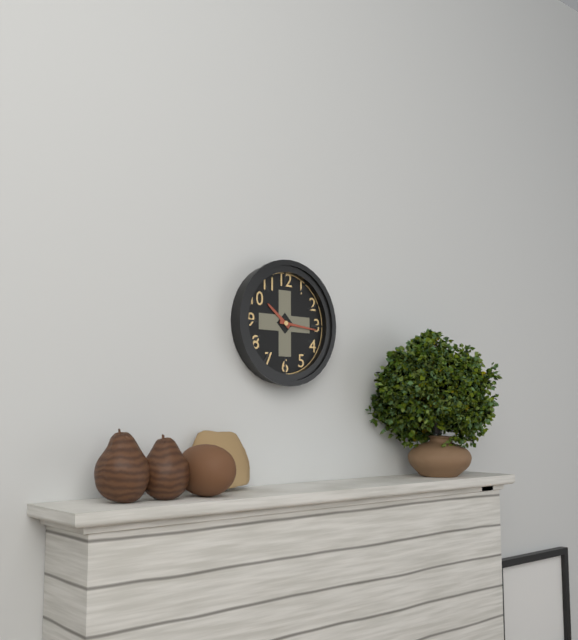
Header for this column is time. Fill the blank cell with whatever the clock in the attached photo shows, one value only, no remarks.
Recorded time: 10:16
